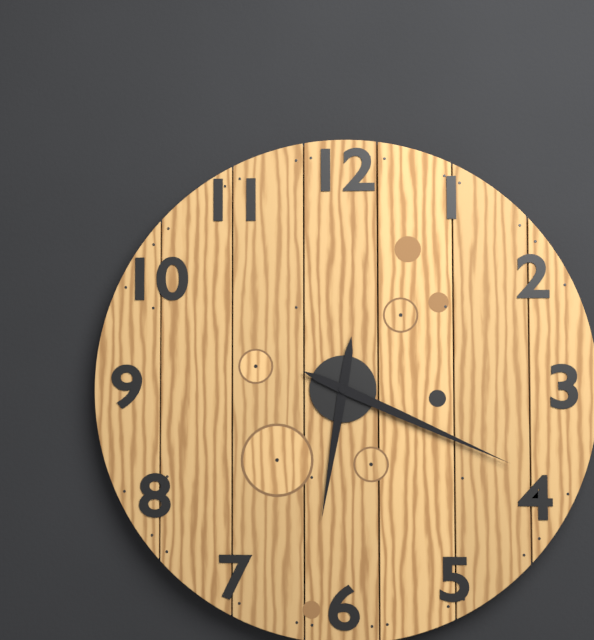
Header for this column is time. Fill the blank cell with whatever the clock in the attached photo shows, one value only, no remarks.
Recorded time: 6:19
